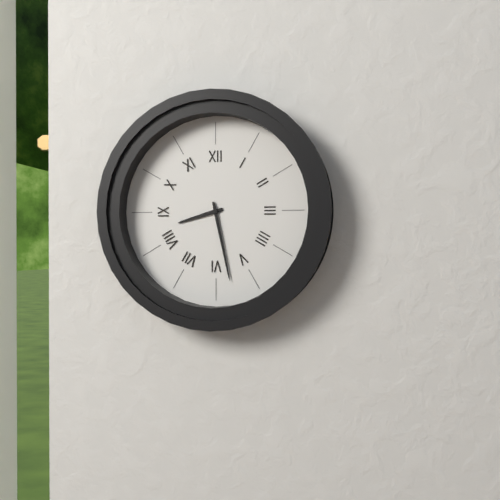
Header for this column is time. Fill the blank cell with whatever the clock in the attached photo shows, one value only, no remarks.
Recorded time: 8:28
